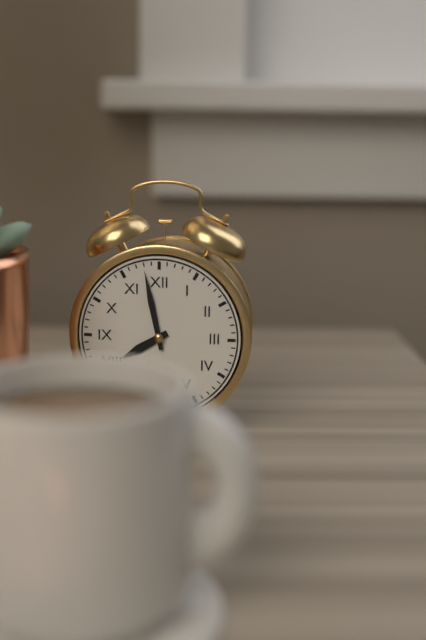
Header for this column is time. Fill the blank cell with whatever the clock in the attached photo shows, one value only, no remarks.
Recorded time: 7:58
